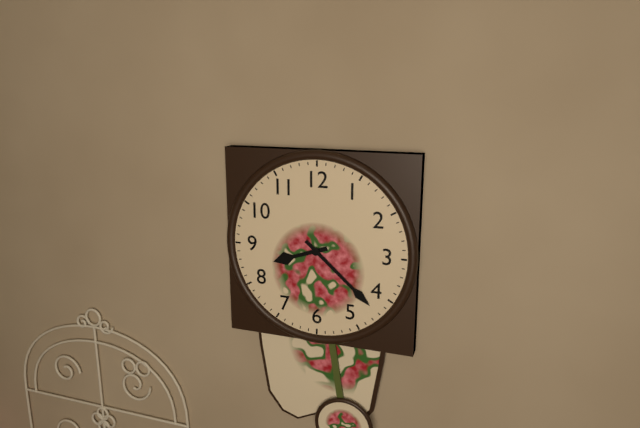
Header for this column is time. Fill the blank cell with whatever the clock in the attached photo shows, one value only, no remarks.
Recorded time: 8:22
